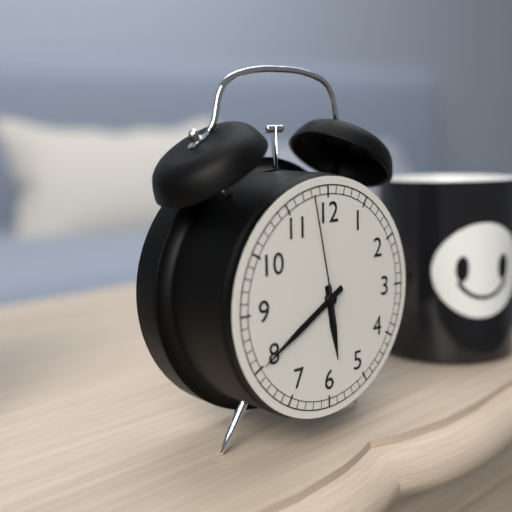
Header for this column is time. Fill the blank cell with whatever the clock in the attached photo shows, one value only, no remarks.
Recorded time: 5:40:58
